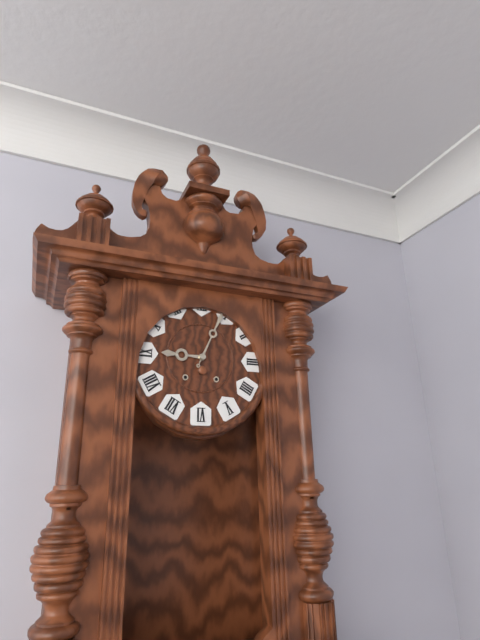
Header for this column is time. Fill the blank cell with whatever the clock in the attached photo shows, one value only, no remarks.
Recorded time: 9:04
